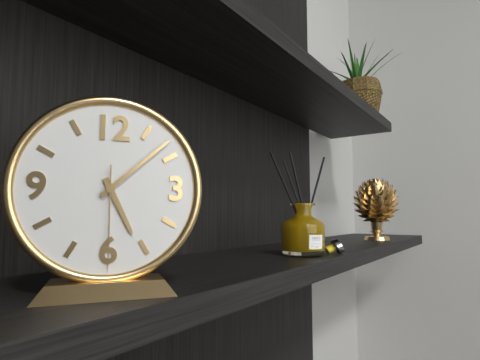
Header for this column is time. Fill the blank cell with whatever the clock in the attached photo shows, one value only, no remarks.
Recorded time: 5:08:30
